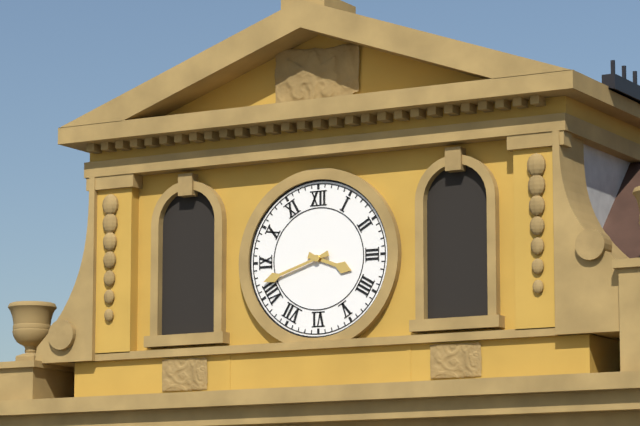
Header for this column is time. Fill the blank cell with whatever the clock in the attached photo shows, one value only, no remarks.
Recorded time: 3:42
